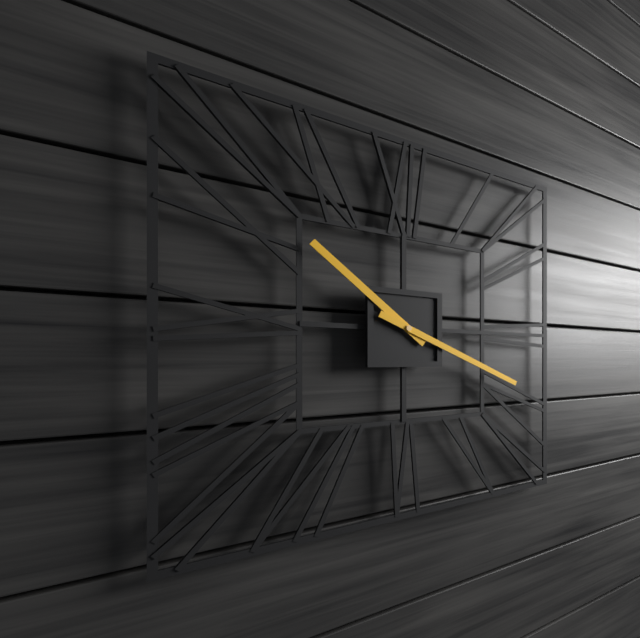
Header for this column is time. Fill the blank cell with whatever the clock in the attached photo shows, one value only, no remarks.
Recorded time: 10:19
